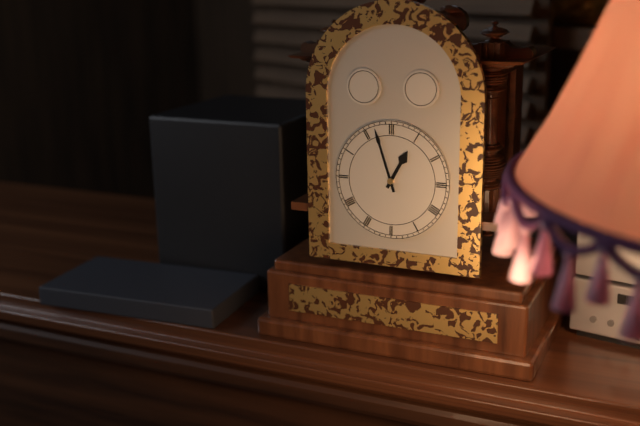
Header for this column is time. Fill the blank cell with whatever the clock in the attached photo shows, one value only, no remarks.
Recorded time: 12:57
